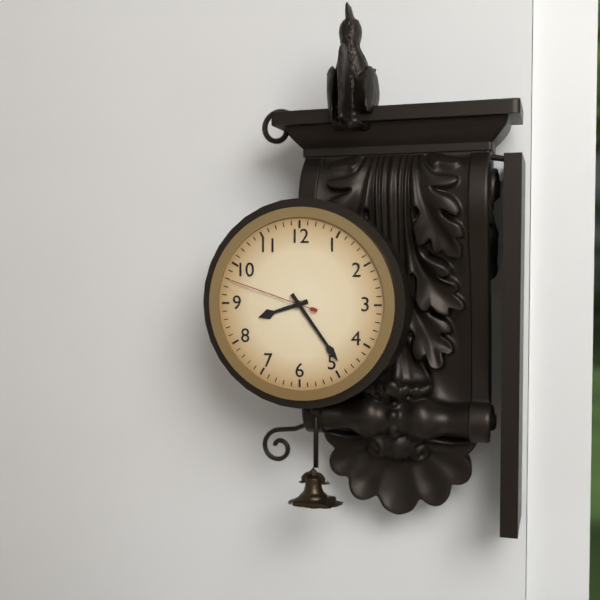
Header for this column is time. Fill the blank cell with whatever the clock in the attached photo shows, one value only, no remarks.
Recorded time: 8:24:48
